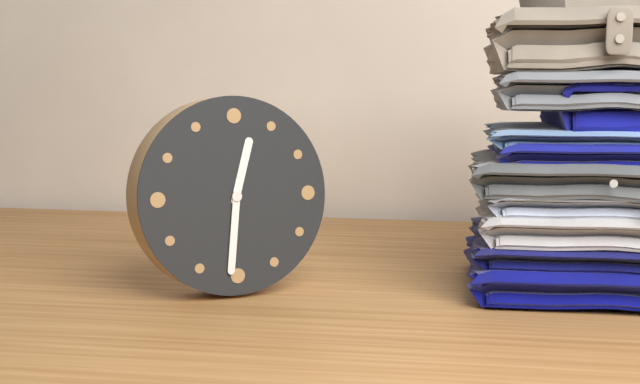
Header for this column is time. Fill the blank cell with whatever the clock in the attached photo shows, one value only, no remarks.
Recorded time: 12:31
